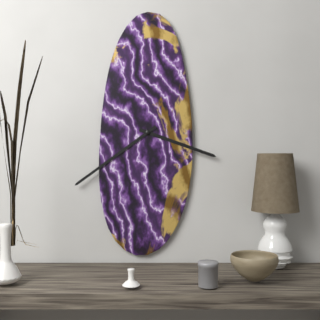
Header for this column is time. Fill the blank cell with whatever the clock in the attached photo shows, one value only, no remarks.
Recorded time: 3:39
